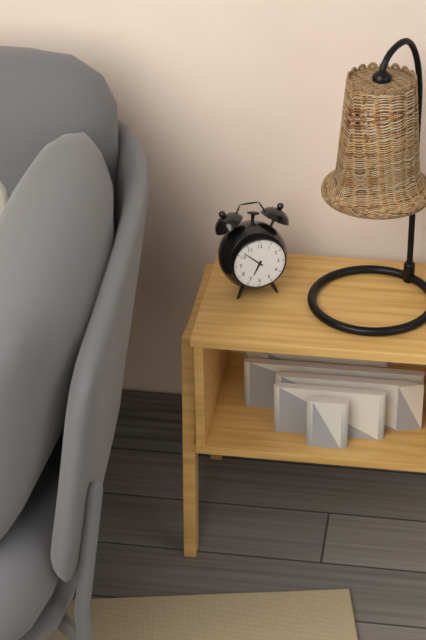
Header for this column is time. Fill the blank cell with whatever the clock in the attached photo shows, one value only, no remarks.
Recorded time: 6:52
